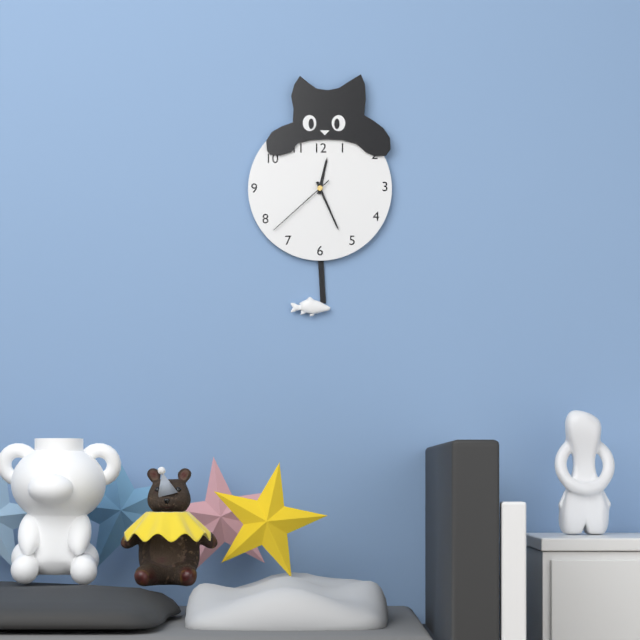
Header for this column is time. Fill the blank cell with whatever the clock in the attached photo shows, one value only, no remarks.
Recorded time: 12:26:38
